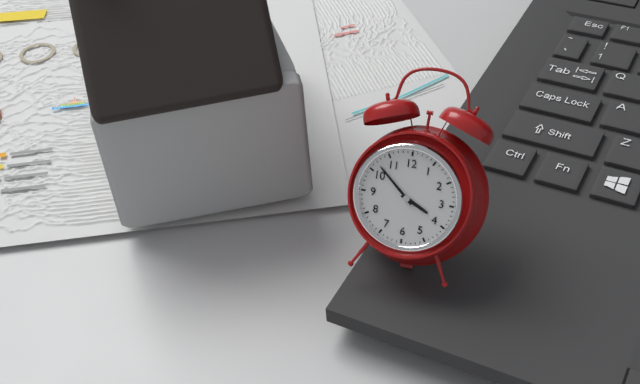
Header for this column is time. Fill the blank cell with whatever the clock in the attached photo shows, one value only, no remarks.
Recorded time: 3:52
